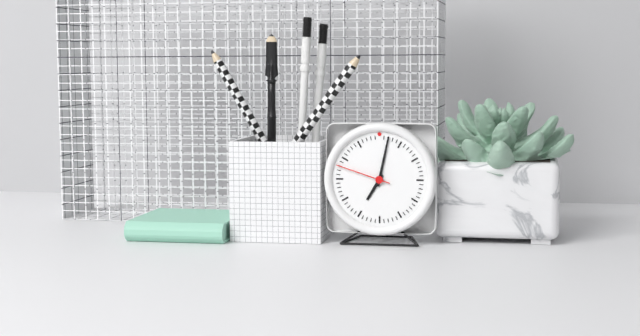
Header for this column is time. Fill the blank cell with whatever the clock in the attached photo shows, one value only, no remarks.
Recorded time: 7:02:48
